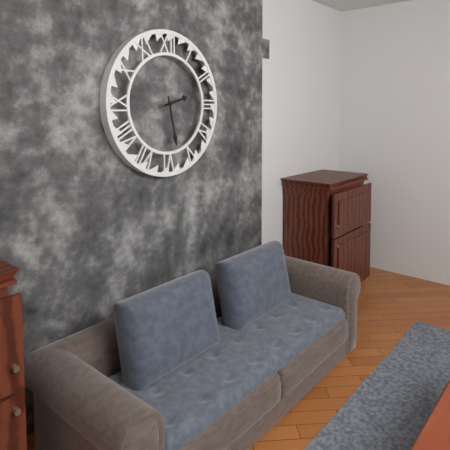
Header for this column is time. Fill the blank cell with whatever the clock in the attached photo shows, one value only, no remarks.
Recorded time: 2:28
